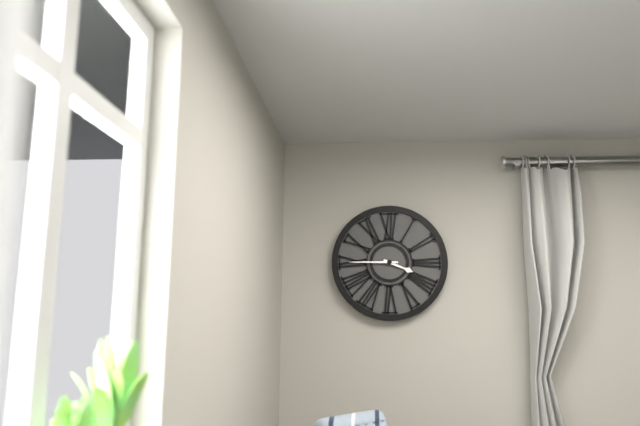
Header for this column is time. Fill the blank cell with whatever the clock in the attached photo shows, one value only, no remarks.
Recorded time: 3:45
